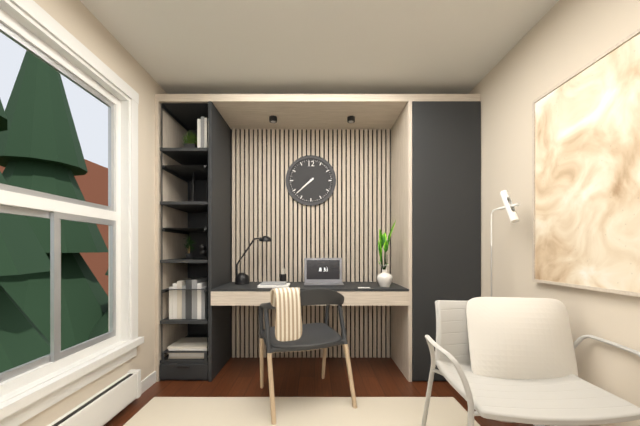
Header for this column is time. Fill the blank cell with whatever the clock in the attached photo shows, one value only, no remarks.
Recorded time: 7:38
